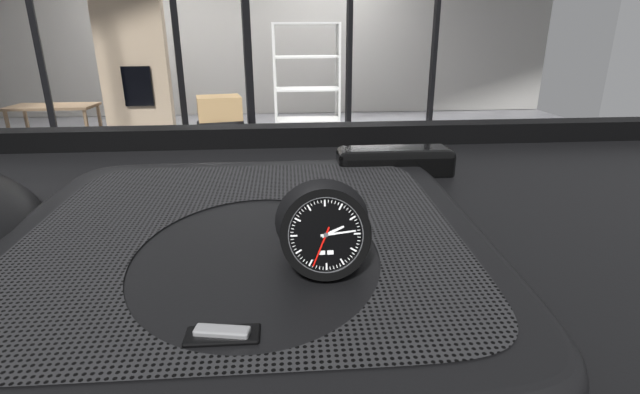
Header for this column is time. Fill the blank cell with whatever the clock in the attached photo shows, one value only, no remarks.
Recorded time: 2:14
